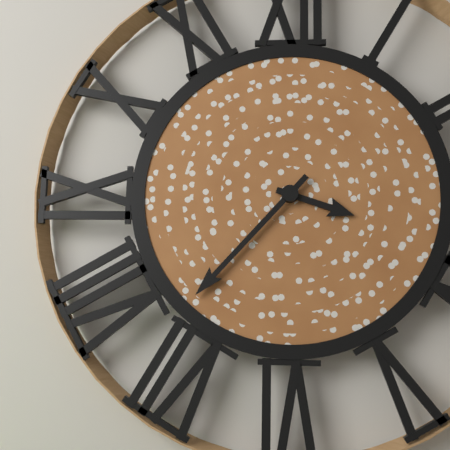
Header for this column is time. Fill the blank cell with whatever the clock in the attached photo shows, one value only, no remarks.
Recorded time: 3:37
